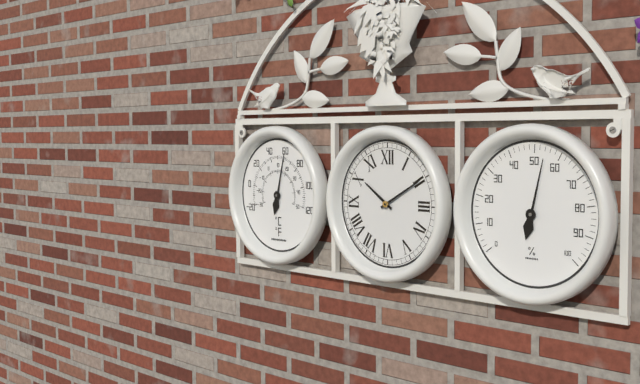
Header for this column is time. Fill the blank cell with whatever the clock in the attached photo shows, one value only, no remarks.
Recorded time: 10:10
